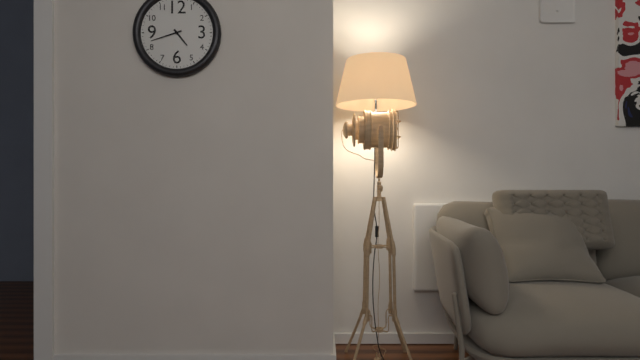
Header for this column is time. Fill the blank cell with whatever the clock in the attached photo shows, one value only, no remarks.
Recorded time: 4:42
